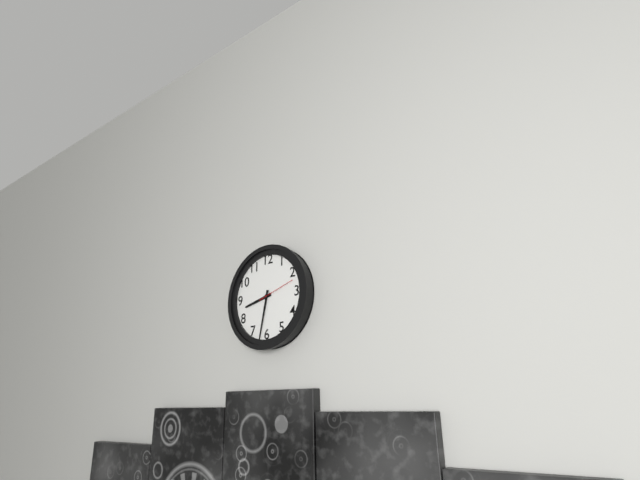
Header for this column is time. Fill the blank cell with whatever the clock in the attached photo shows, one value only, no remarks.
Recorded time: 8:32
